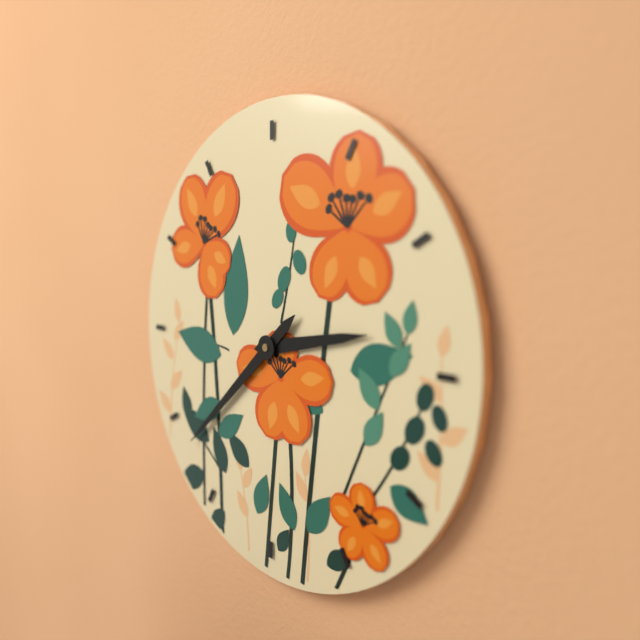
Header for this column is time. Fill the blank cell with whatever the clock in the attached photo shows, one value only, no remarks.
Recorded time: 2:38
